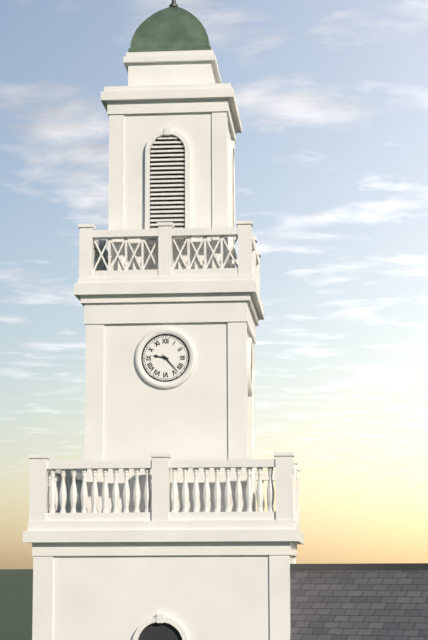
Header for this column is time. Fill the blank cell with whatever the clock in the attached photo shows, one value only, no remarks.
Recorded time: 9:23
